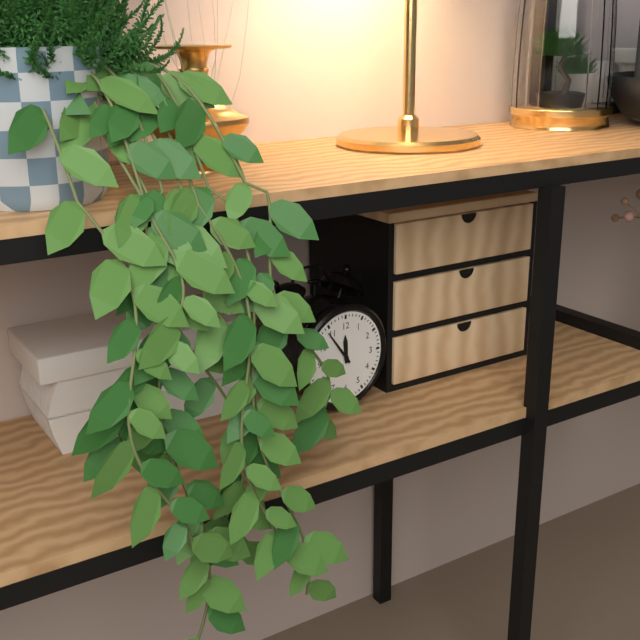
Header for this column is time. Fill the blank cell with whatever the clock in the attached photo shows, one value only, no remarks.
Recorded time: 11:54
